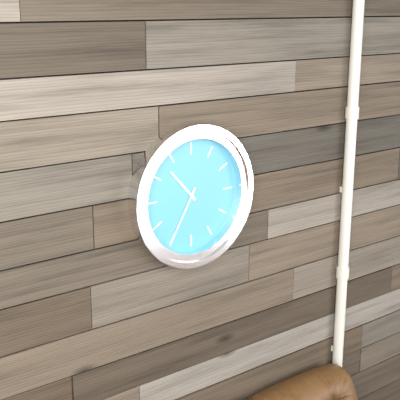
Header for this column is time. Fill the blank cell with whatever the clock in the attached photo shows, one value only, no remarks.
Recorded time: 10:35
